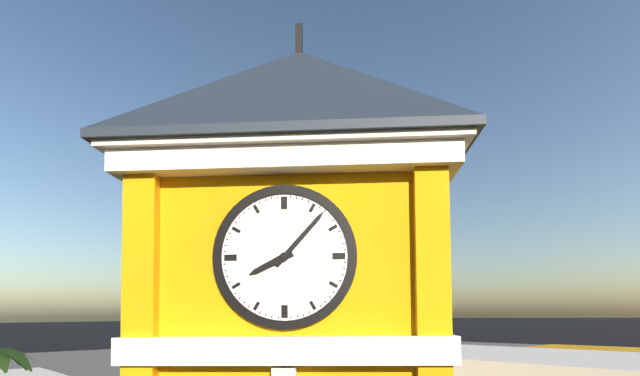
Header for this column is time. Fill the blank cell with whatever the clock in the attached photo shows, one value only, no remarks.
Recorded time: 8:07
